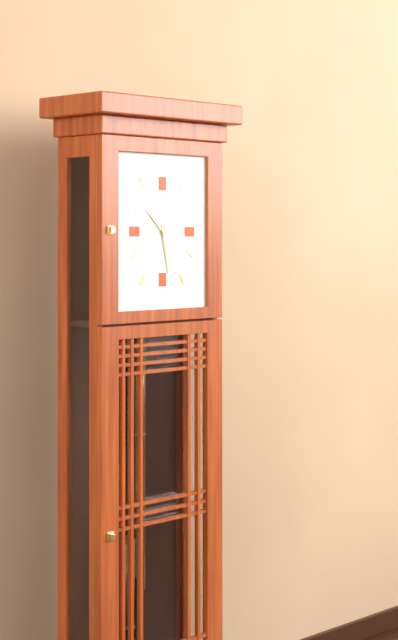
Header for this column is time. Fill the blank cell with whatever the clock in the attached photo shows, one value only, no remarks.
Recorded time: 10:28
